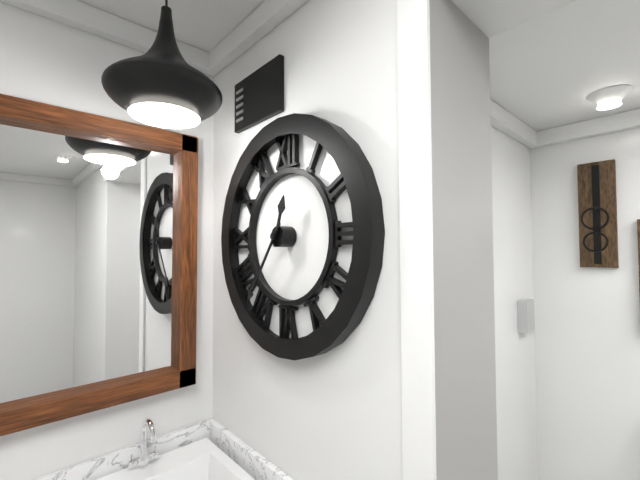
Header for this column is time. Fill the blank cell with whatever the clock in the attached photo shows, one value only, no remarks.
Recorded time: 12:36
